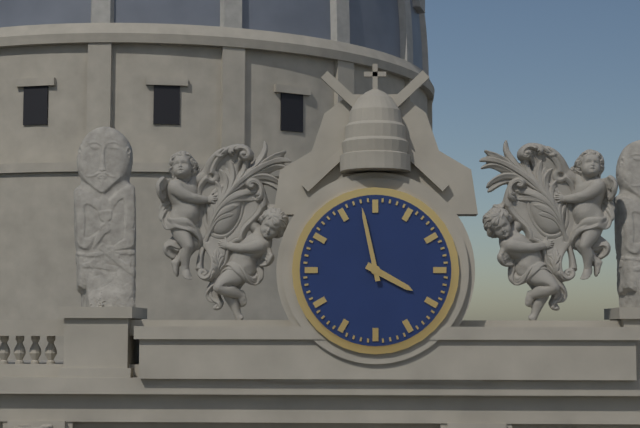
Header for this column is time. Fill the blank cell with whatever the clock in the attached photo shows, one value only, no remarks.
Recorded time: 3:58
